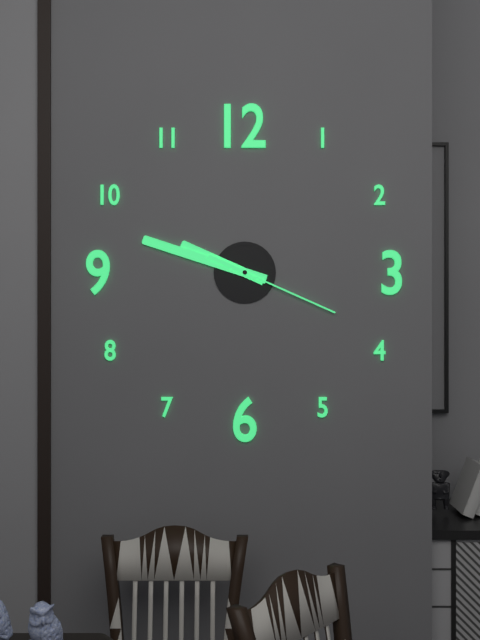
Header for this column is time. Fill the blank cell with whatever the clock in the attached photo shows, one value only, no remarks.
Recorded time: 9:48:19
